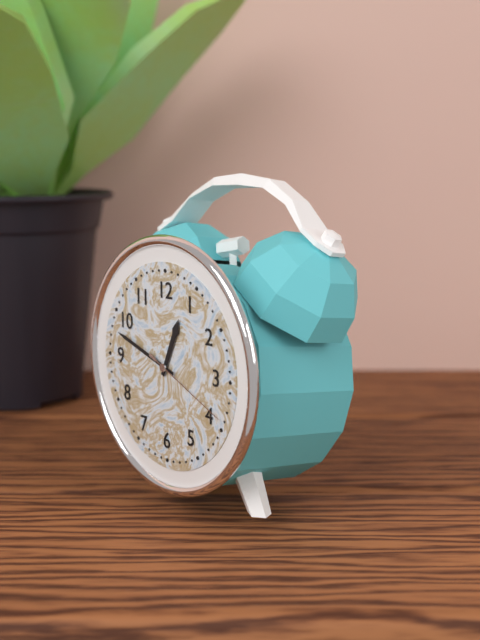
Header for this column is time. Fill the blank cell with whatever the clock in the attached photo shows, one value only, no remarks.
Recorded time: 12:48:19
